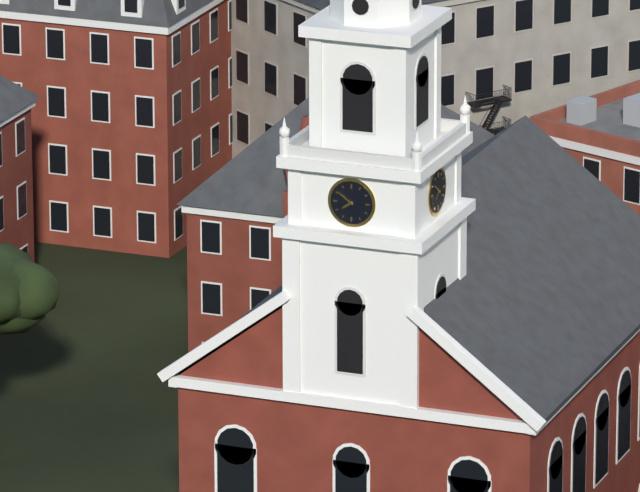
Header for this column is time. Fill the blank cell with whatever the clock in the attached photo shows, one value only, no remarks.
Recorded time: 7:51
